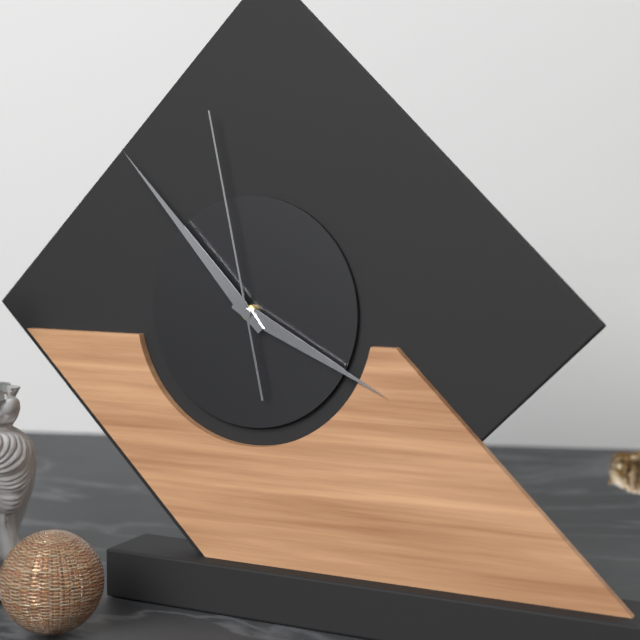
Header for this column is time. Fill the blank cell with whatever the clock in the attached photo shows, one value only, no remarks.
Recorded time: 3:53:58
